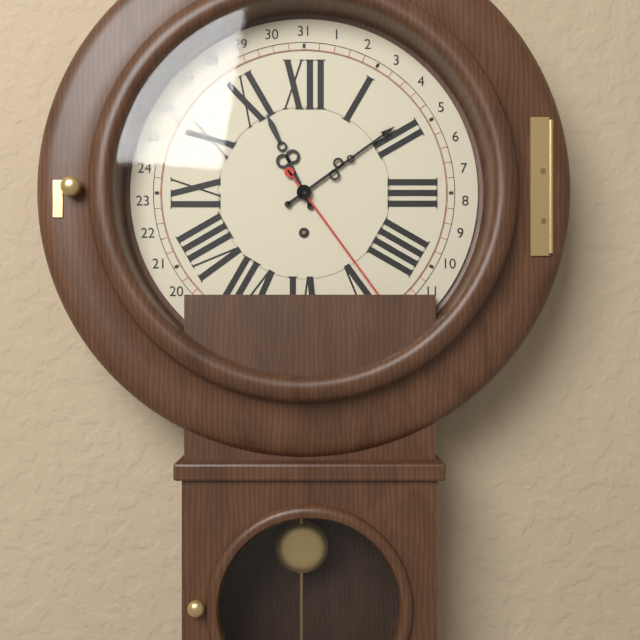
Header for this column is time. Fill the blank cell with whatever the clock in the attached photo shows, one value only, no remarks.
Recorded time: 11:09:24
